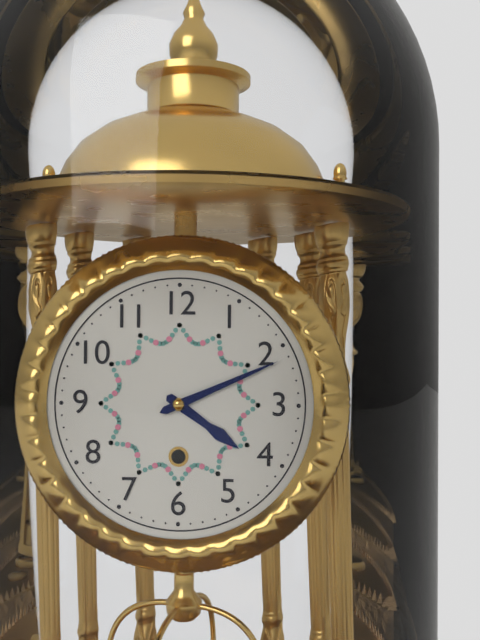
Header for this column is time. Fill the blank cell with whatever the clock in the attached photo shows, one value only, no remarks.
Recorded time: 4:11
